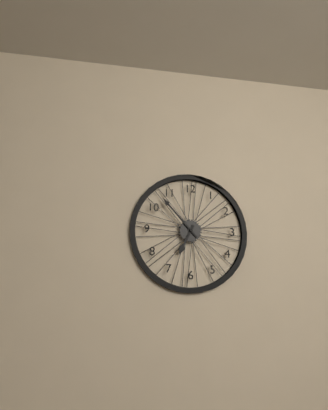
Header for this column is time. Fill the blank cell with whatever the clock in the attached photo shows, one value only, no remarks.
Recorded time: 6:53
